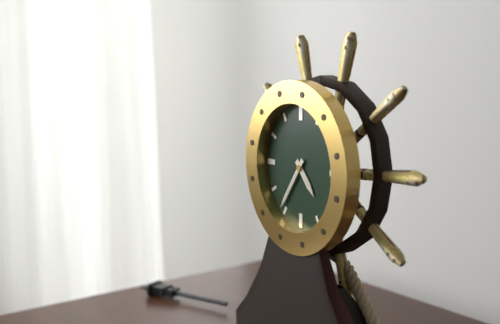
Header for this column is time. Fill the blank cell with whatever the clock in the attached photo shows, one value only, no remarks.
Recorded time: 4:36
